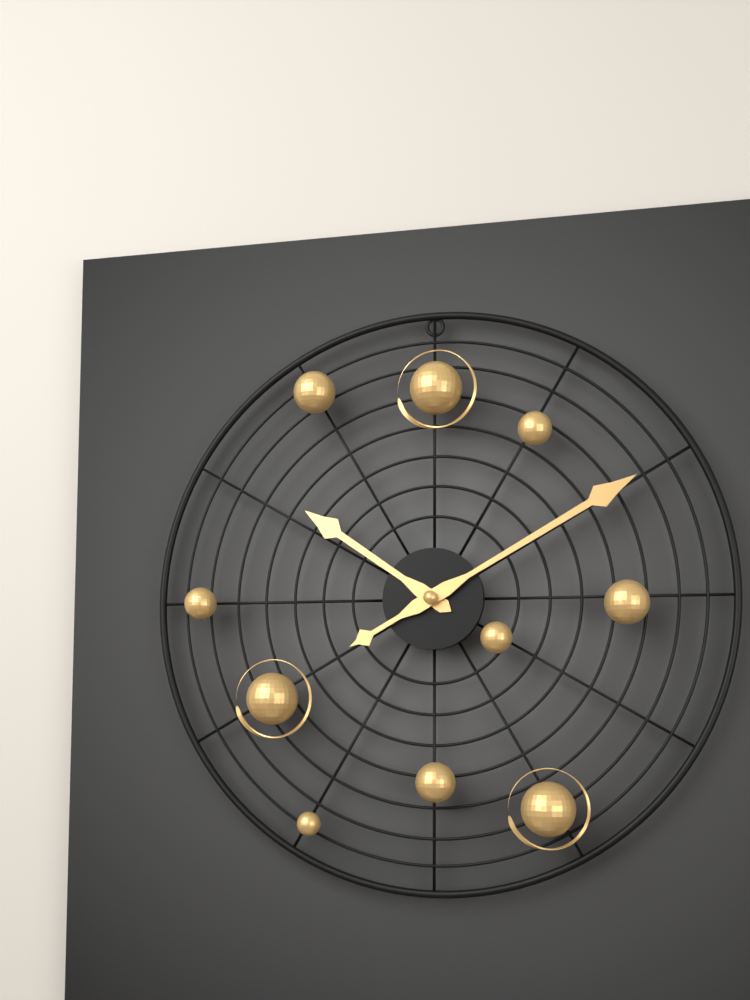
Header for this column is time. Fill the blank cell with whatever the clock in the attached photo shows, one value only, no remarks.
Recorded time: 10:10
